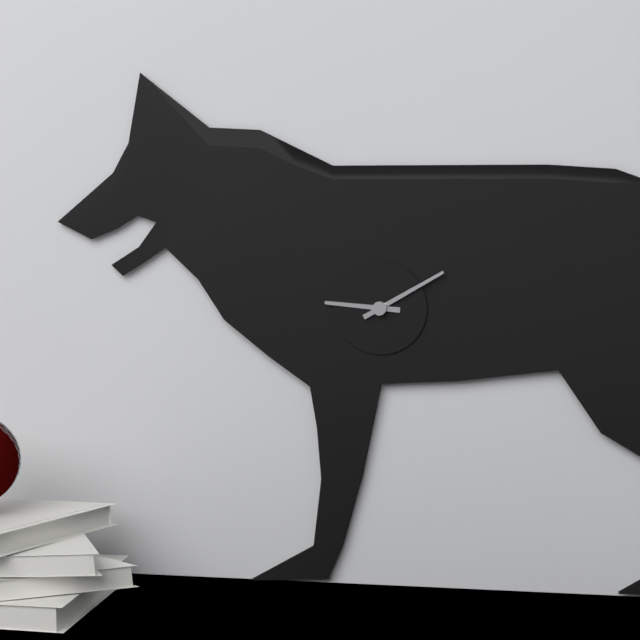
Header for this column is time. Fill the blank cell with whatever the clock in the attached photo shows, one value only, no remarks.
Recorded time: 9:10
